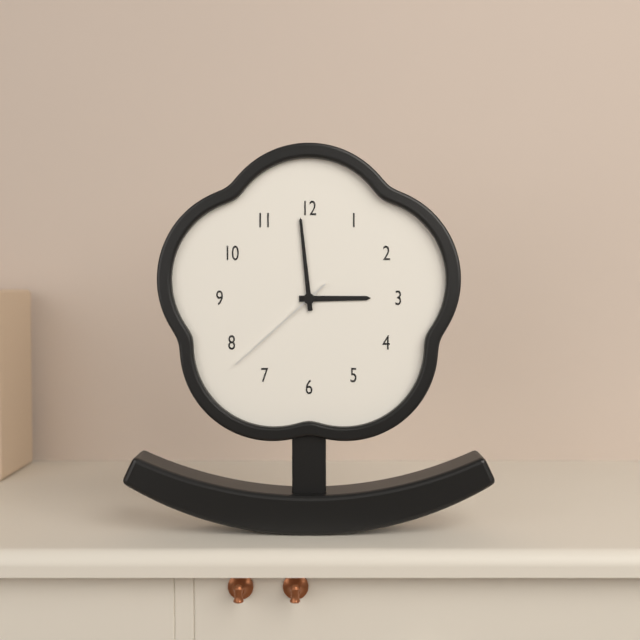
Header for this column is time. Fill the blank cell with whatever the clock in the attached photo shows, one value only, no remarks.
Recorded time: 2:59:38
